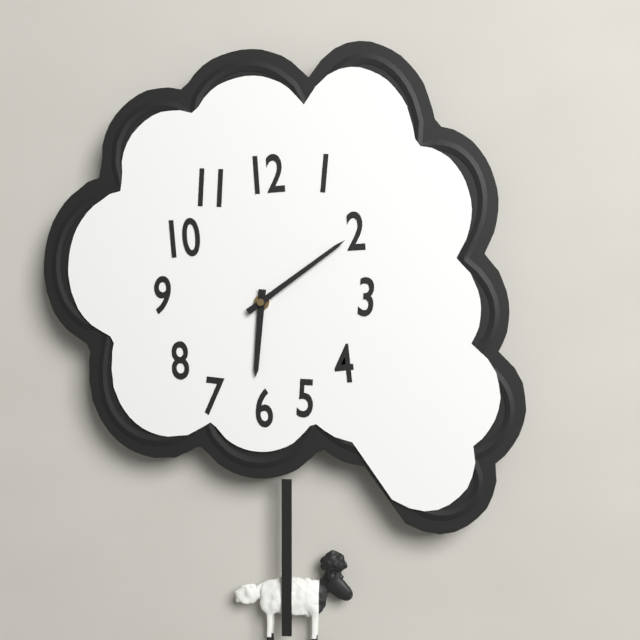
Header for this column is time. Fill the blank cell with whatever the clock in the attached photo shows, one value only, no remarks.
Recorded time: 6:09
